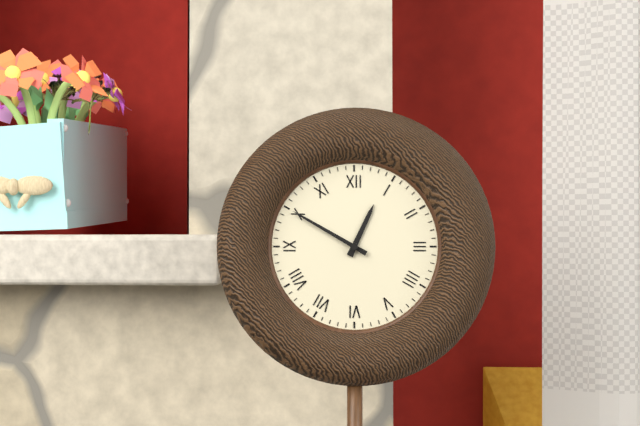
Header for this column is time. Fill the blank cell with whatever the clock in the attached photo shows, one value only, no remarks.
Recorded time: 12:50
